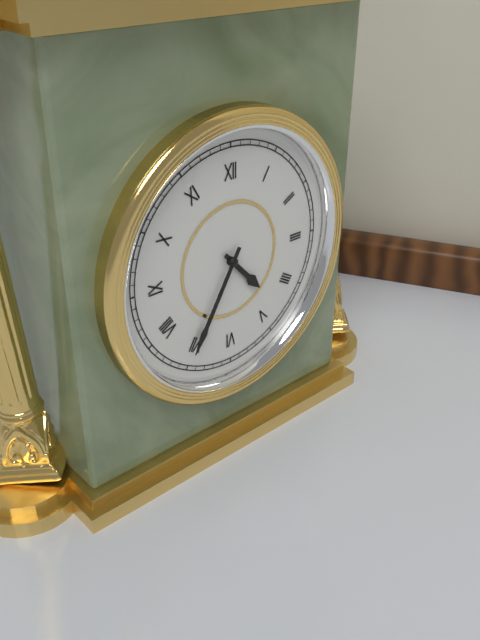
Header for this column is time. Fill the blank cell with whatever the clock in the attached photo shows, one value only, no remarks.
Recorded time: 4:35
